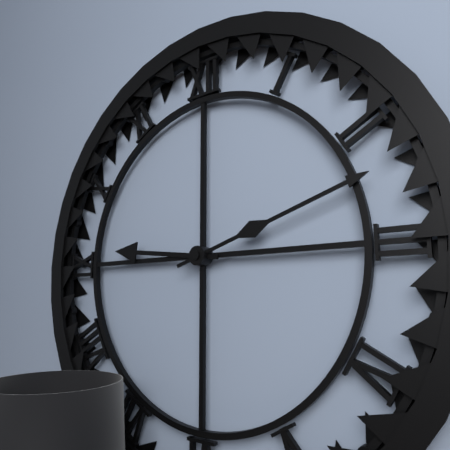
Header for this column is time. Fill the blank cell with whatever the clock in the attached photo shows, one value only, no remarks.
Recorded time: 9:12
